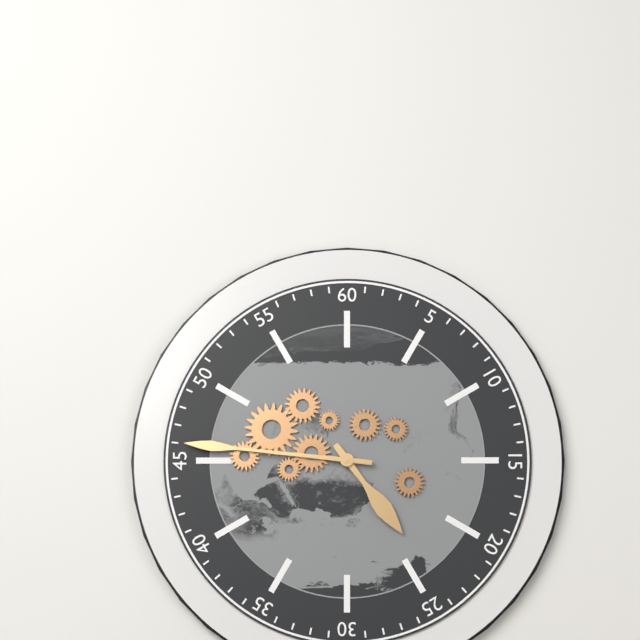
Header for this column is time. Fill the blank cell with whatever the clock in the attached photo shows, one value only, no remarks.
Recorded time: 4:46
